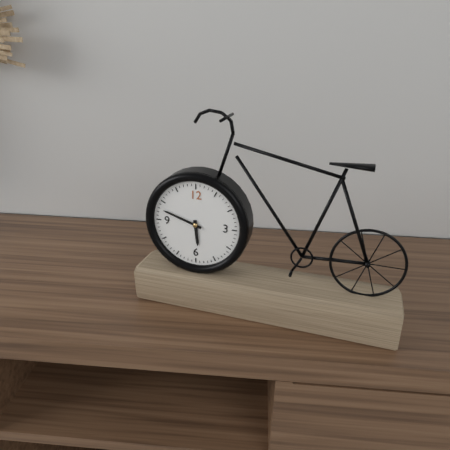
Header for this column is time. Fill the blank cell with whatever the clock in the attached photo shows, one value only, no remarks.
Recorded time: 5:48
